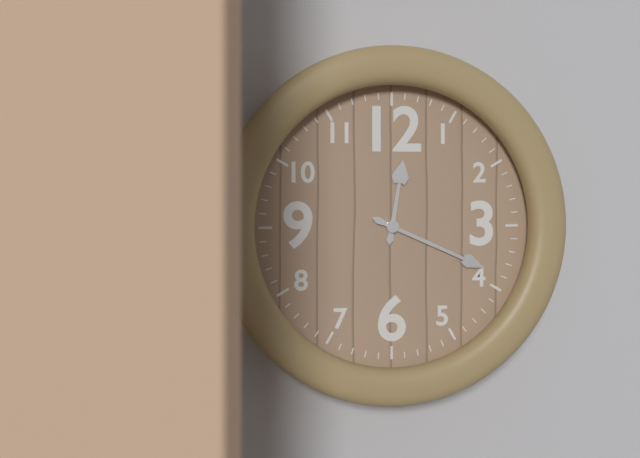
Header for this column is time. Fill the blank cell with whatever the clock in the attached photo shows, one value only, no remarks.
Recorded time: 12:19
